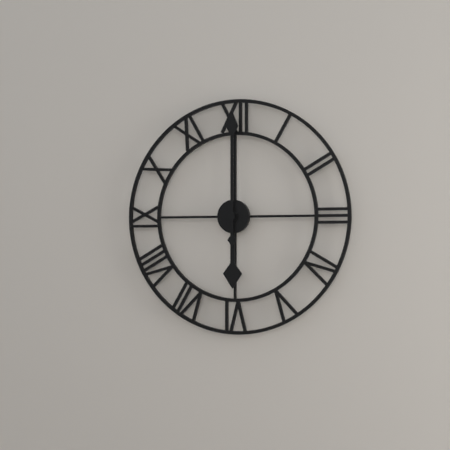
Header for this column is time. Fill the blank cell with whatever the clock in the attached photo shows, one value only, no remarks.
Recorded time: 6:00
